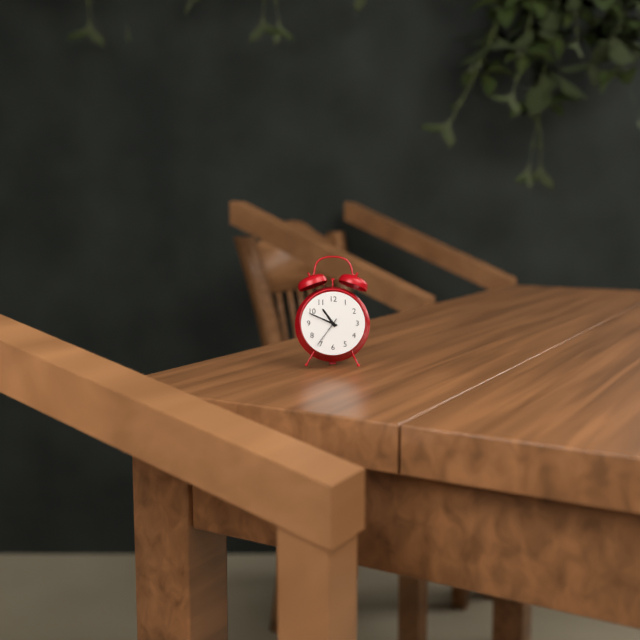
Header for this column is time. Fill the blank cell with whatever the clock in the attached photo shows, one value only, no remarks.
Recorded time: 10:49
